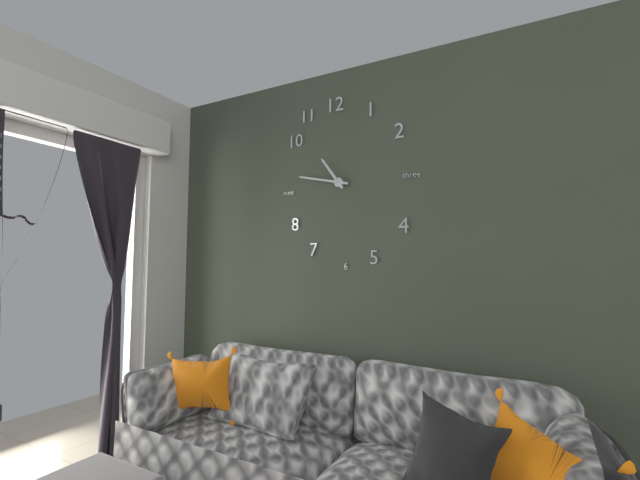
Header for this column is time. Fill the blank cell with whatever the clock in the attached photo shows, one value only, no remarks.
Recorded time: 10:47
